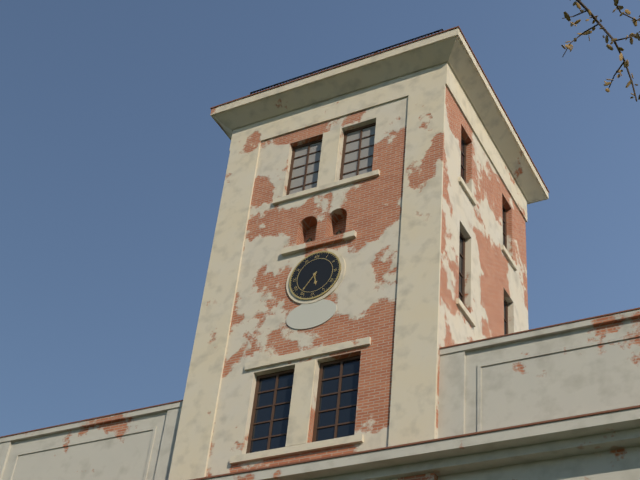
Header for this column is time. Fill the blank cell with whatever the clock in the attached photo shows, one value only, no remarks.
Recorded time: 5:36
